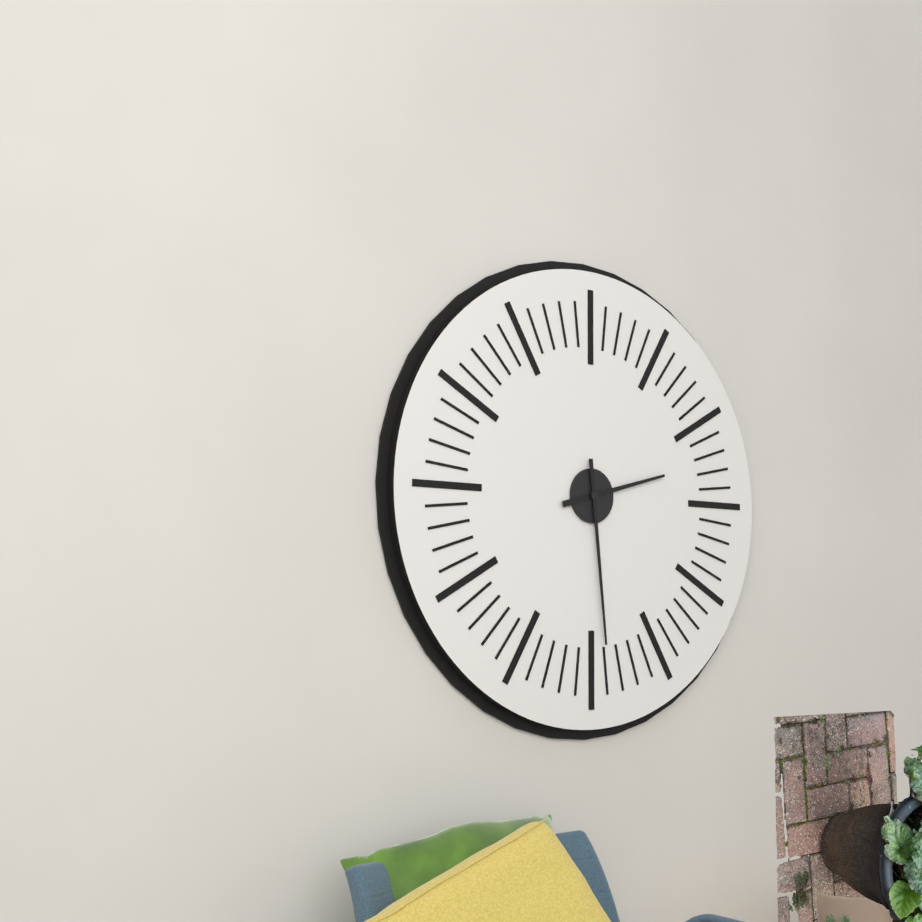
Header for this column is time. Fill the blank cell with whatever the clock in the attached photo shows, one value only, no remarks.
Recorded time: 2:29
